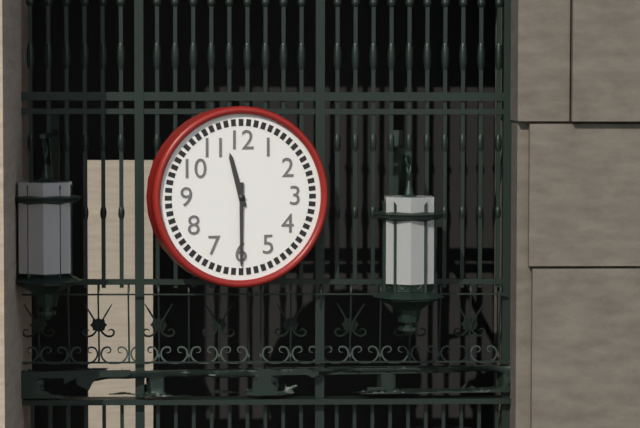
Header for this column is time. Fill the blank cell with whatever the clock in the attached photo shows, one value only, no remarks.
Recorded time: 11:30
